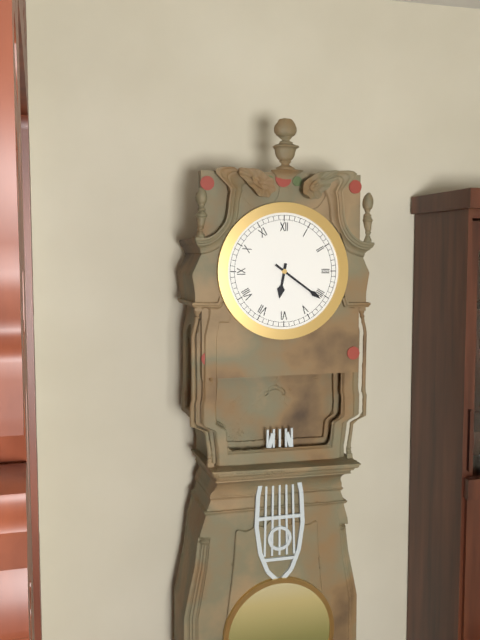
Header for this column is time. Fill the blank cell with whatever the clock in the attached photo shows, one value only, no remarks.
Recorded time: 6:21
